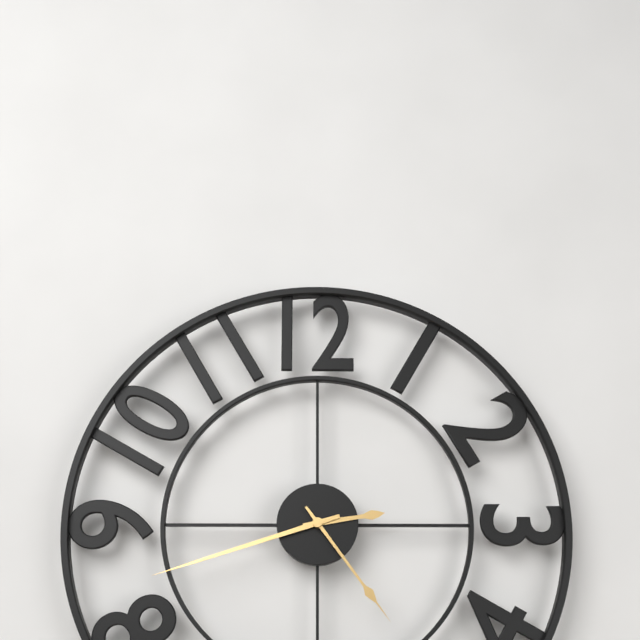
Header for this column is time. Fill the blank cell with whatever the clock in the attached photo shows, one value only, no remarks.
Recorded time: 2:42:24
